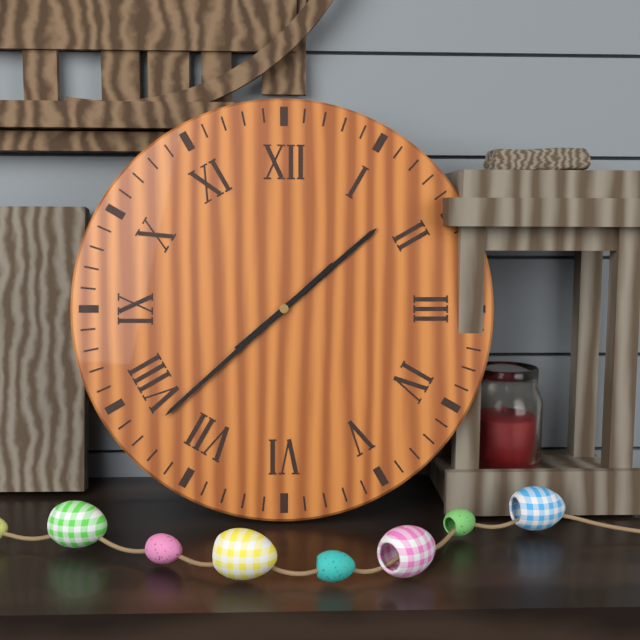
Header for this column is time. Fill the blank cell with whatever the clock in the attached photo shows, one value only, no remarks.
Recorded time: 1:38
